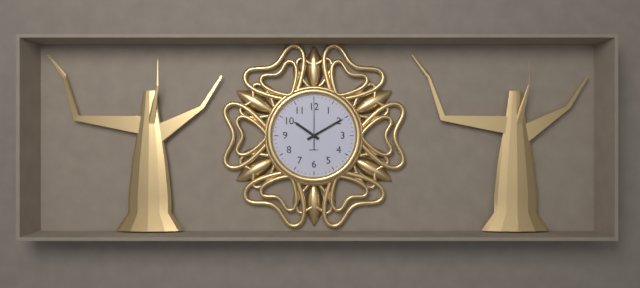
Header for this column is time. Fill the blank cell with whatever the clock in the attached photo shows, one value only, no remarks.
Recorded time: 10:10
